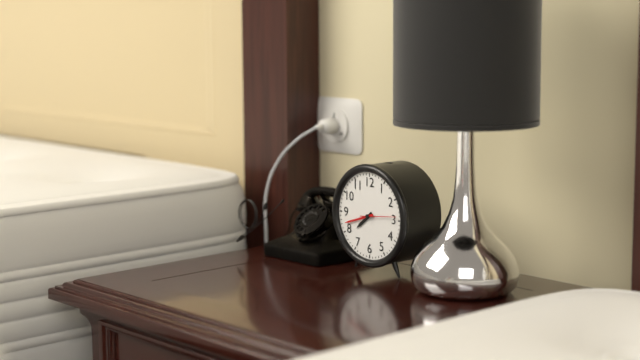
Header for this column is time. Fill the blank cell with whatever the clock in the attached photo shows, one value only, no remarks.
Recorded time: 7:42
